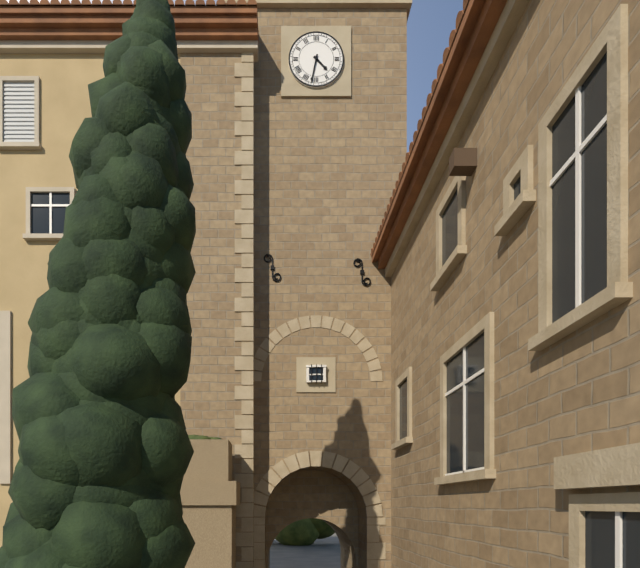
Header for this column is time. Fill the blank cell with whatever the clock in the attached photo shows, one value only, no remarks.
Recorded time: 4:32
